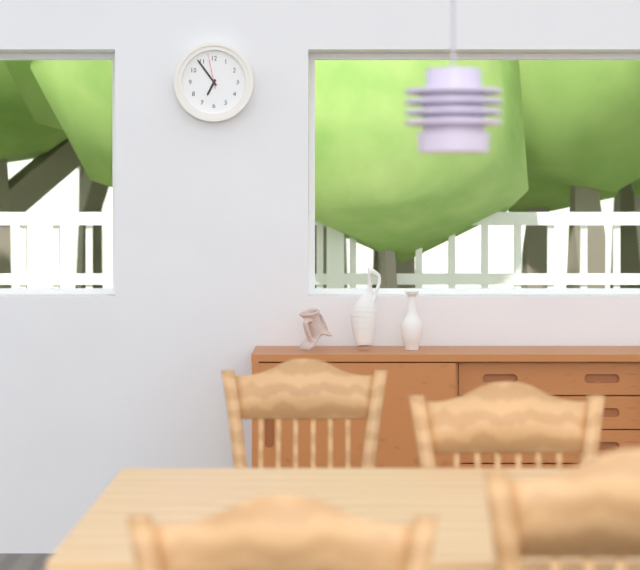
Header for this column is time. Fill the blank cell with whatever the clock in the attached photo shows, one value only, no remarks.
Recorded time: 6:54
